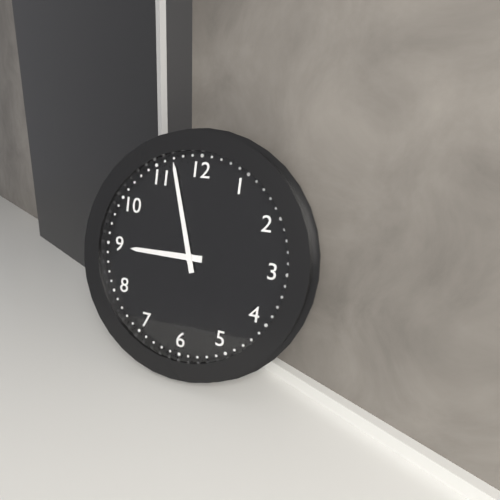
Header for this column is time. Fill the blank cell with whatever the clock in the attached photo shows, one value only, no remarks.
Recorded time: 8:57
